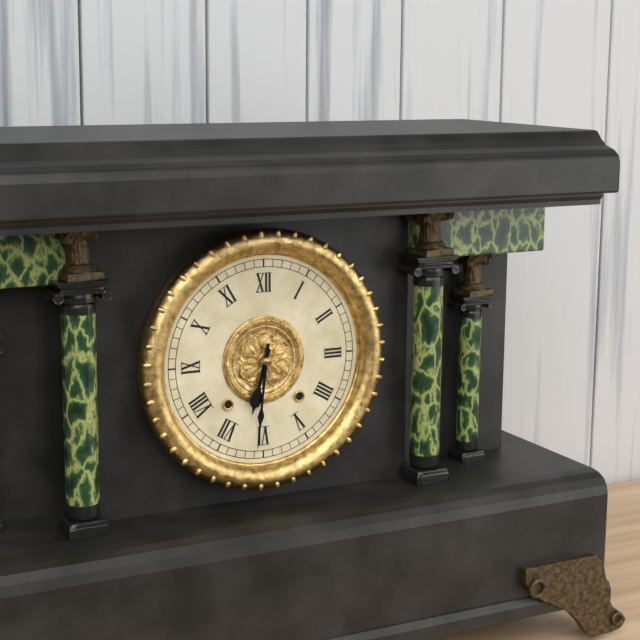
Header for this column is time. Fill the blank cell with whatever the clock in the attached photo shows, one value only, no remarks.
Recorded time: 6:31
